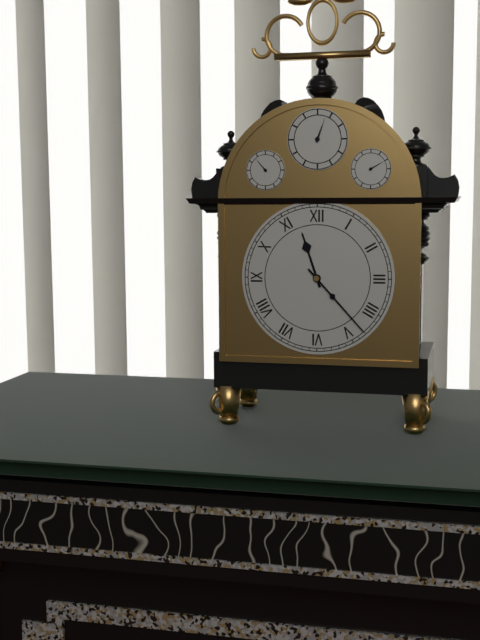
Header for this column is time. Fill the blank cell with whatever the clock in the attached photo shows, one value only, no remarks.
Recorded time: 11:23
